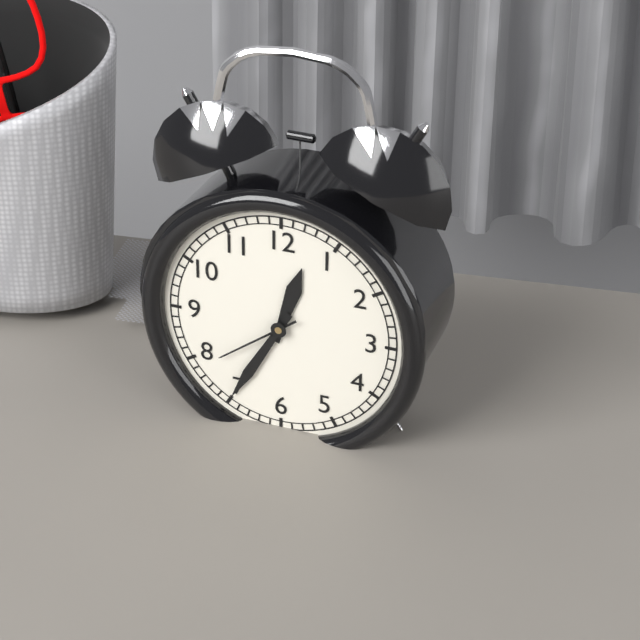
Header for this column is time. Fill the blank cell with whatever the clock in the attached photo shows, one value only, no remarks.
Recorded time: 12:35:39
